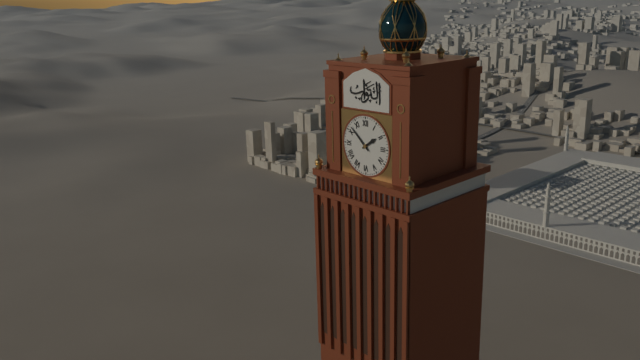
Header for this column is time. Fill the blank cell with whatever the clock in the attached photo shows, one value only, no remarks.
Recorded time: 1:52
